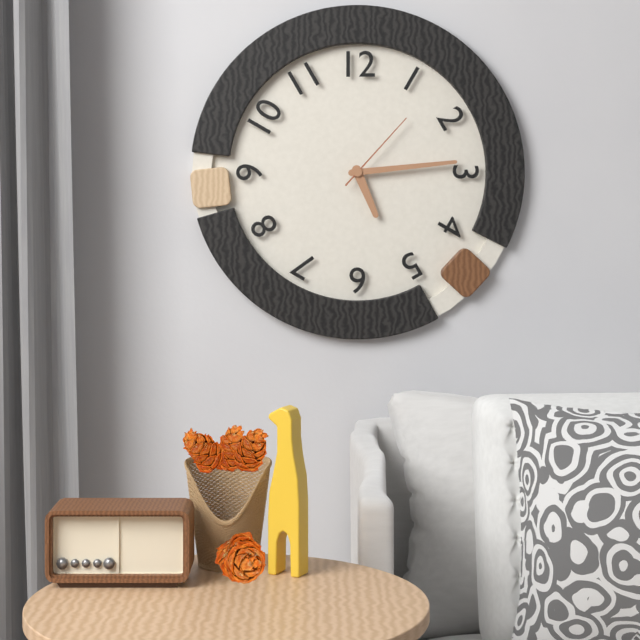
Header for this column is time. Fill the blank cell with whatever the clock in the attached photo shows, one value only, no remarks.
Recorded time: 5:14:07
